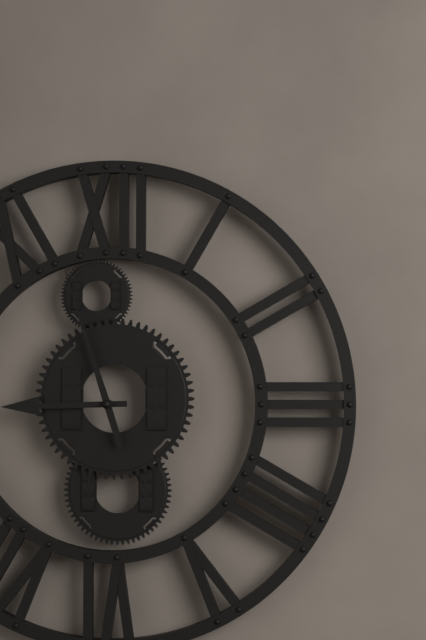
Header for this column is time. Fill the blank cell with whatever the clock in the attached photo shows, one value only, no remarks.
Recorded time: 8:57
